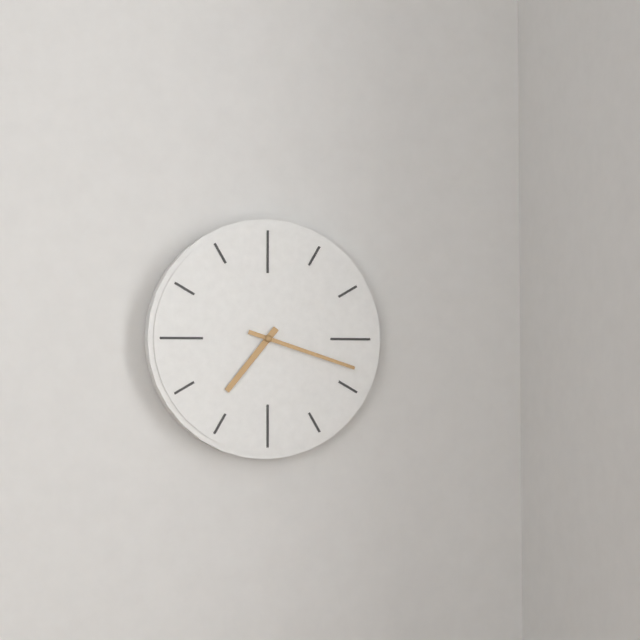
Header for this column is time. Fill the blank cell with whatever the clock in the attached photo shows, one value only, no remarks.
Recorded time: 7:18
